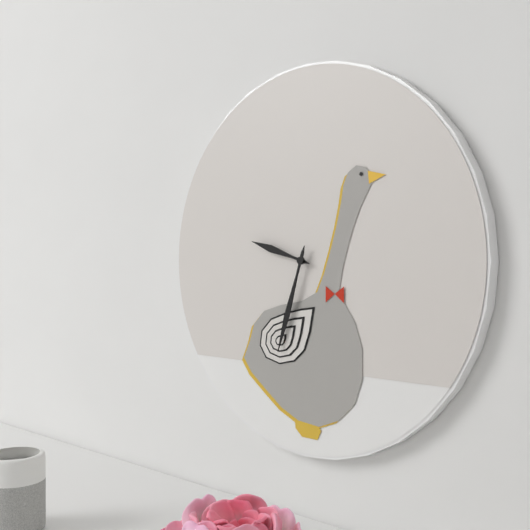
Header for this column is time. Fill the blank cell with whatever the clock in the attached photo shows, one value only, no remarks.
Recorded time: 9:33
